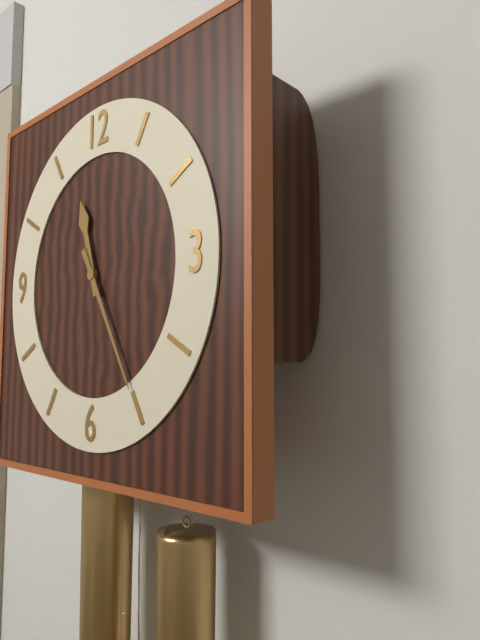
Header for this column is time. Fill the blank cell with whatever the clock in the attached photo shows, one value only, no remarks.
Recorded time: 11:25
